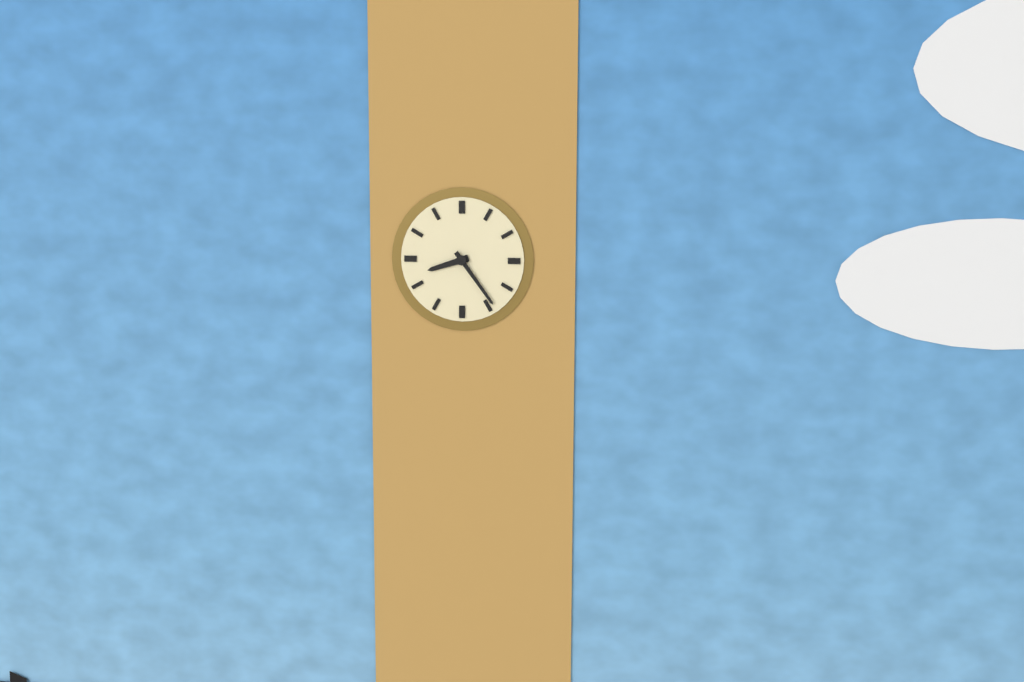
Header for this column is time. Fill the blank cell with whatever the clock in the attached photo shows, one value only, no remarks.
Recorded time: 8:24
